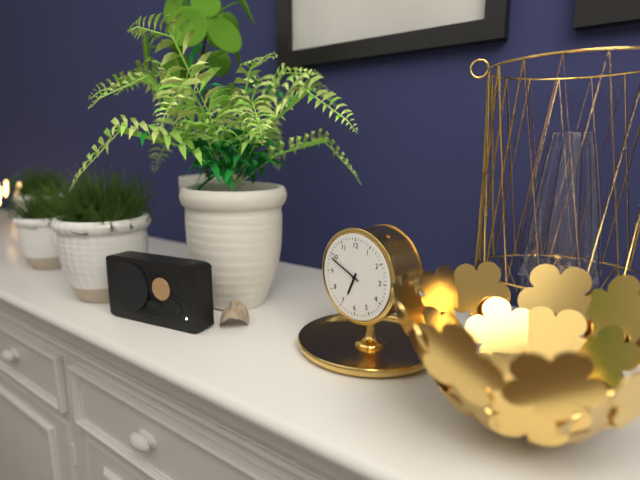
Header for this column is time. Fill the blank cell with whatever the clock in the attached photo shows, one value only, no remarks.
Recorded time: 6:49
